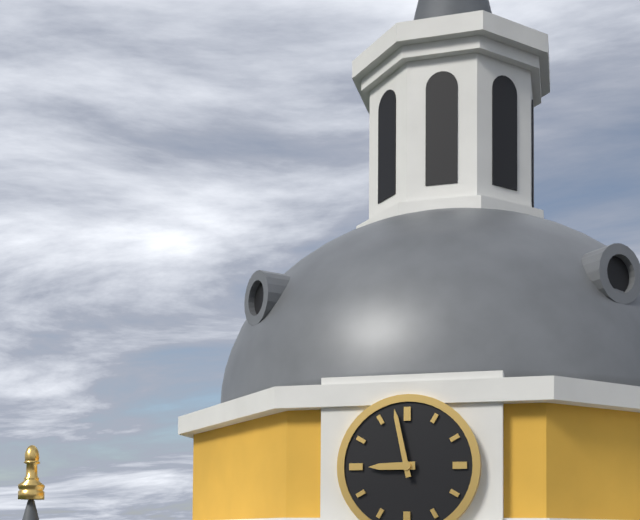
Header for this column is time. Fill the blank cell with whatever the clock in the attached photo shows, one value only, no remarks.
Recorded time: 8:58
